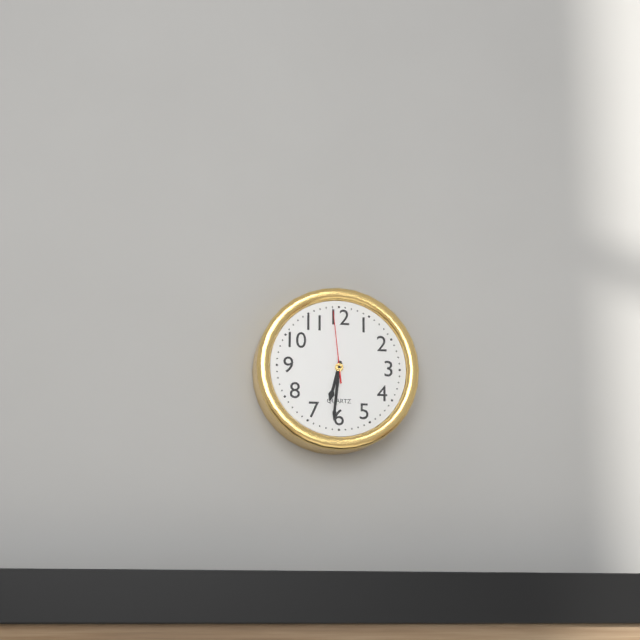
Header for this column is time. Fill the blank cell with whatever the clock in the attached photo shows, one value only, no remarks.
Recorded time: 6:31:59
